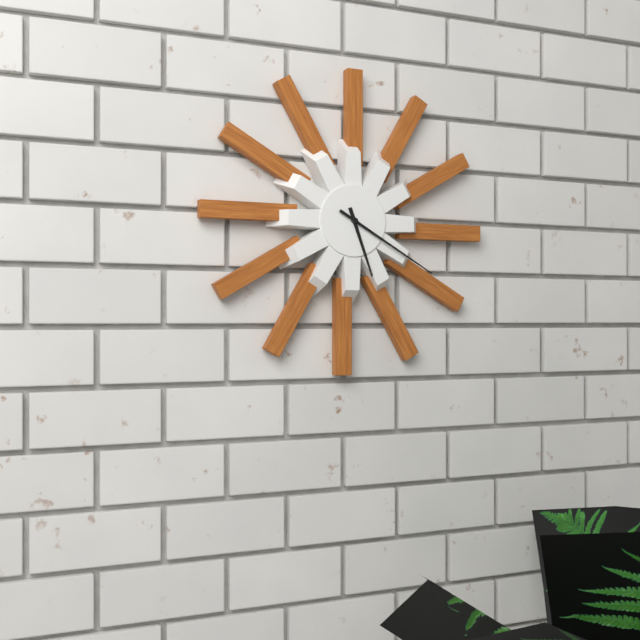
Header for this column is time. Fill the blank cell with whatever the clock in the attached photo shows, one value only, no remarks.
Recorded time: 5:20
